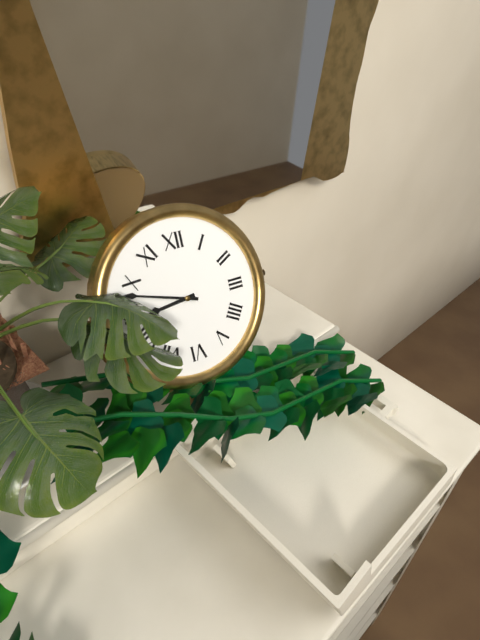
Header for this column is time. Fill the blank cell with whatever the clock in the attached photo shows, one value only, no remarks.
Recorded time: 8:48
